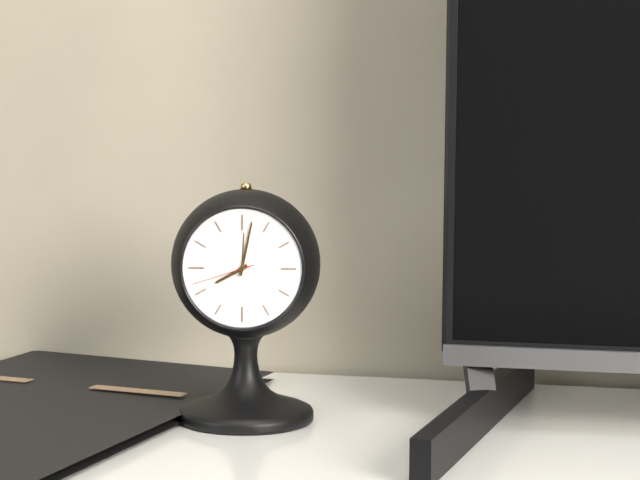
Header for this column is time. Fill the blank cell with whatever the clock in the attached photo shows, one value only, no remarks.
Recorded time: 8:02:42
